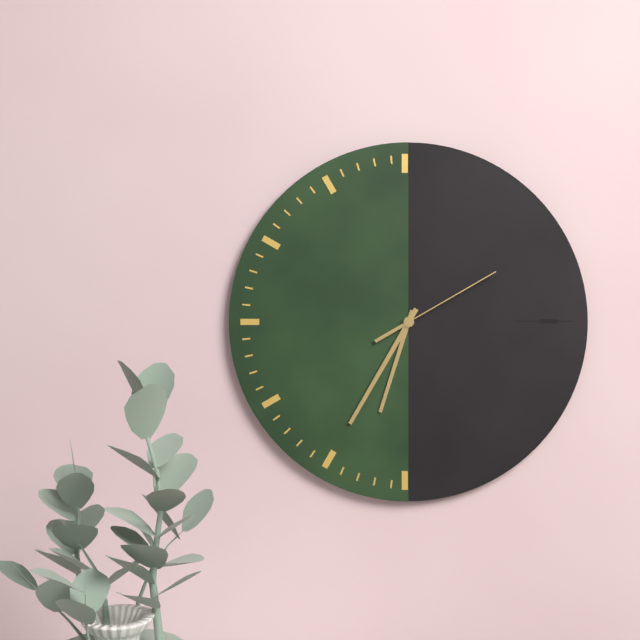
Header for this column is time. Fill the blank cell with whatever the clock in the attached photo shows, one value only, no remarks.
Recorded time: 6:35:10
